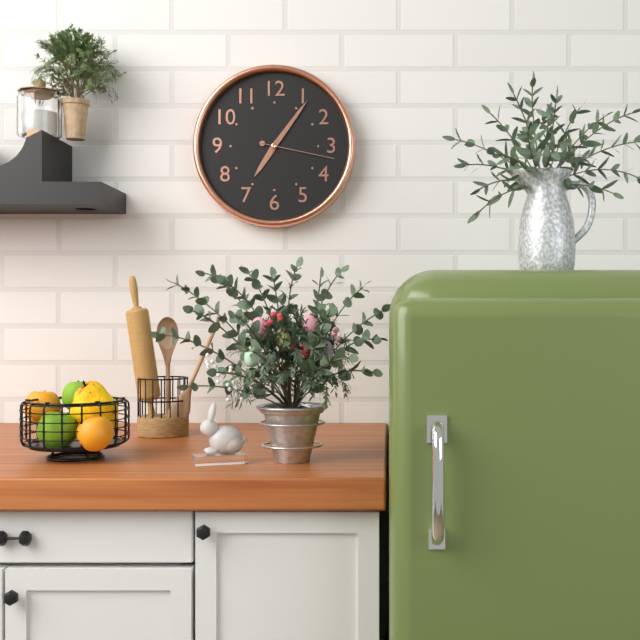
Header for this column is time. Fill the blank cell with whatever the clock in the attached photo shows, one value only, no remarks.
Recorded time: 7:06:17
